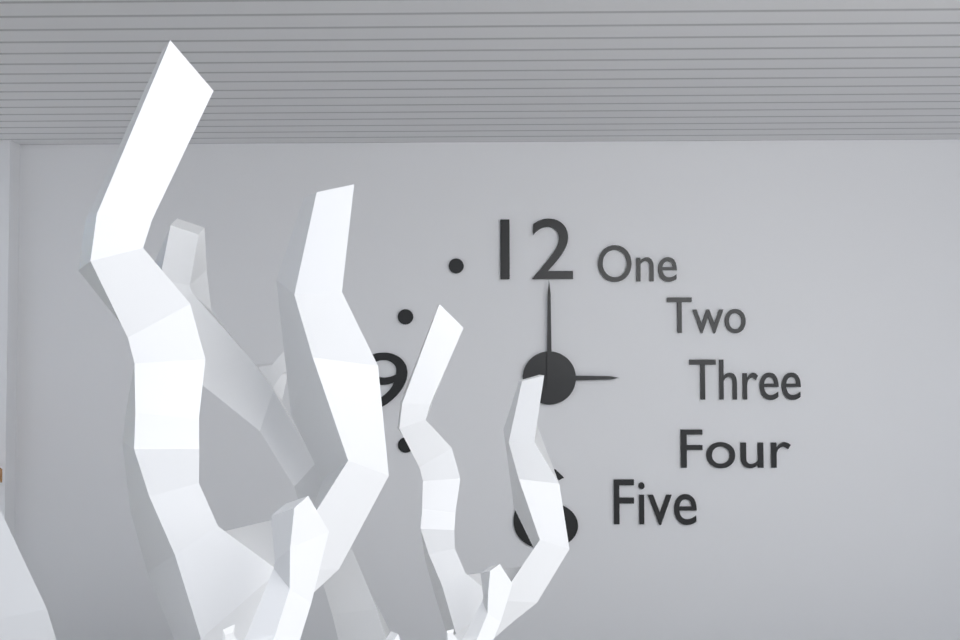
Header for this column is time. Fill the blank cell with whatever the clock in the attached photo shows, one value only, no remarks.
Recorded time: 3:00
